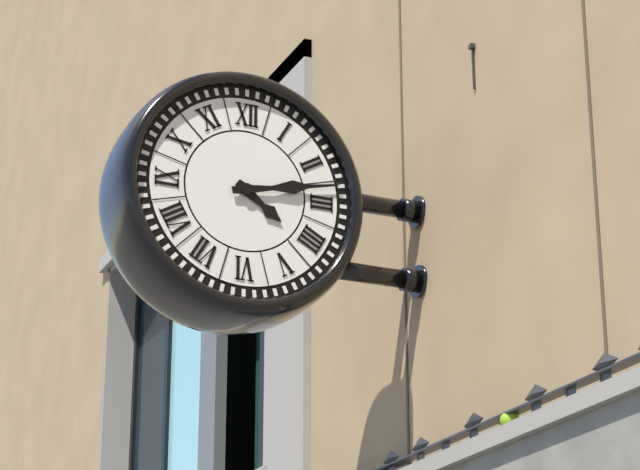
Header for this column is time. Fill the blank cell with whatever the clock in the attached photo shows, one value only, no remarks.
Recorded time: 4:13
